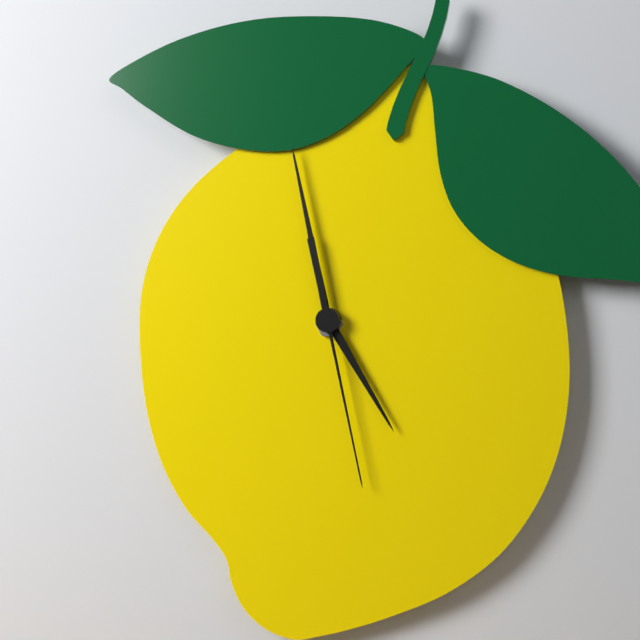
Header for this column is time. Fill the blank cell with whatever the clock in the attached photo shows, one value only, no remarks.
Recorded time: 4:58:28
